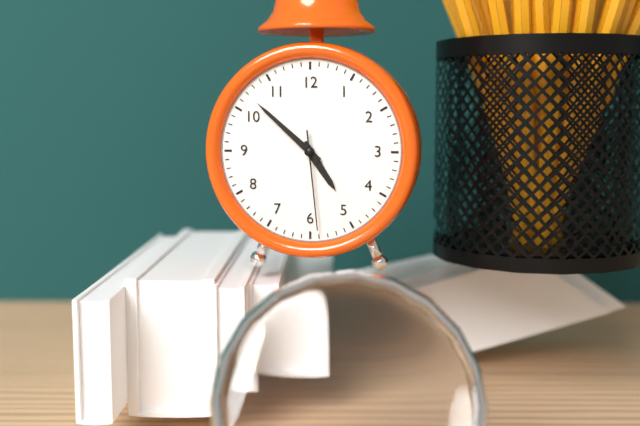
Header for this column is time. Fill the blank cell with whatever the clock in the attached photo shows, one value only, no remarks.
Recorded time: 4:52:29
